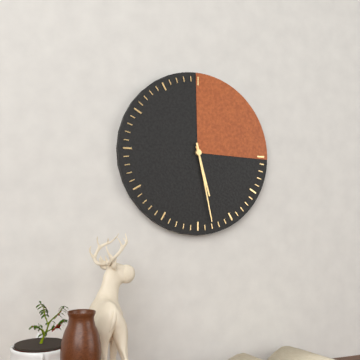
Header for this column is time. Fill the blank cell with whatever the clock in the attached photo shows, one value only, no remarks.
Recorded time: 5:28
